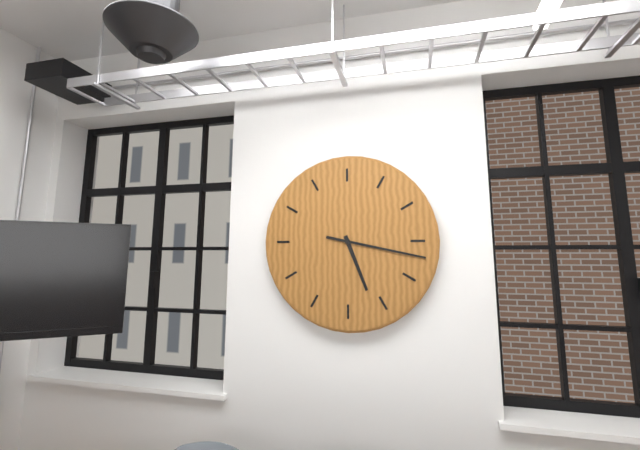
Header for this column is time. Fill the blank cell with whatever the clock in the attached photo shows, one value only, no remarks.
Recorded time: 5:17
